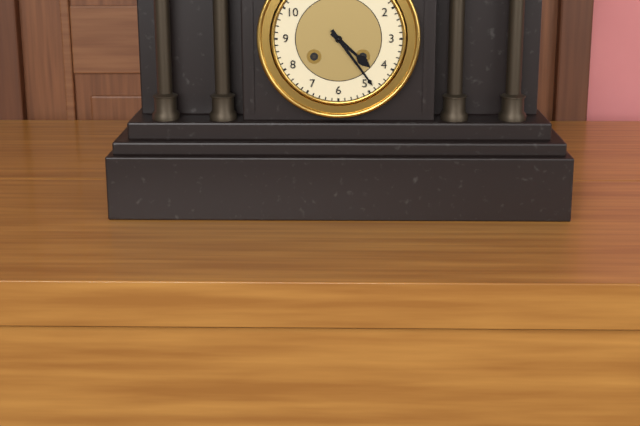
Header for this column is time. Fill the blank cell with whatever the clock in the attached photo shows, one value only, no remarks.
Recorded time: 4:24
